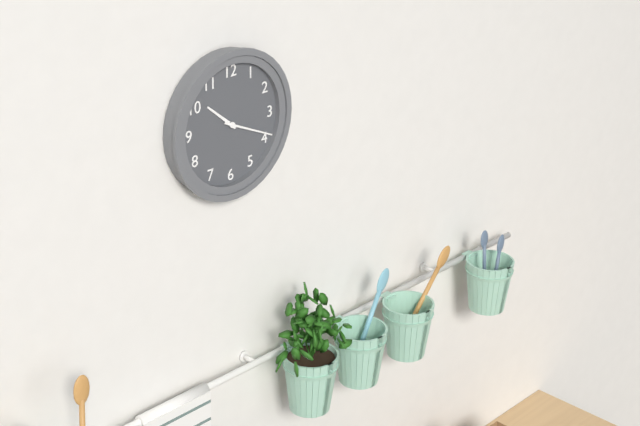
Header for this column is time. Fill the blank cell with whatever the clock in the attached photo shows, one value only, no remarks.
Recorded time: 10:19
